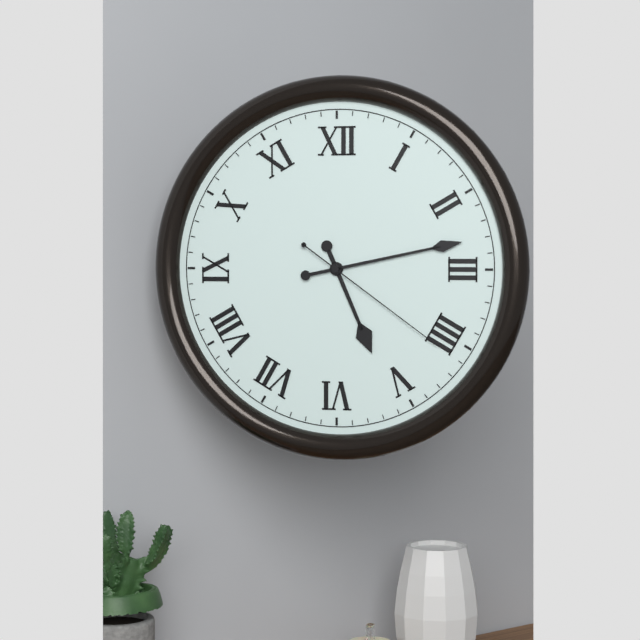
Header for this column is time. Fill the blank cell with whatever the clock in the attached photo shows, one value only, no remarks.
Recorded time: 5:13:21
